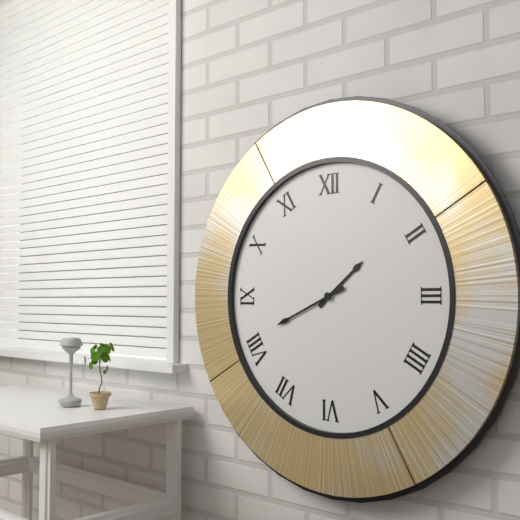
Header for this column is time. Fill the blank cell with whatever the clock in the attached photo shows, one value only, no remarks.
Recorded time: 1:41
